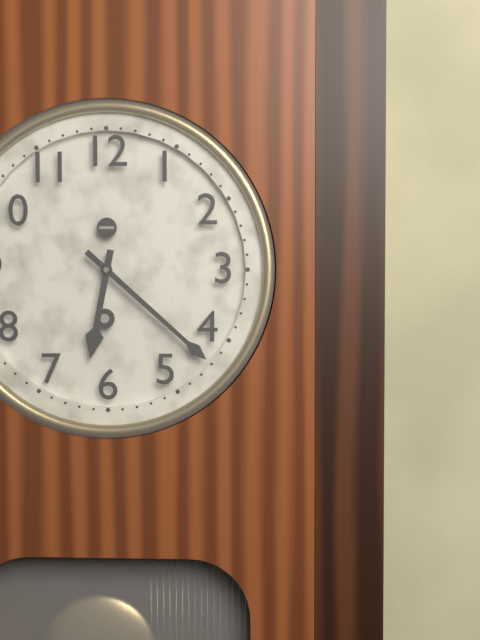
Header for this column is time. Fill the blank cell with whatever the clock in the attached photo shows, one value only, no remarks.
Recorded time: 6:22
